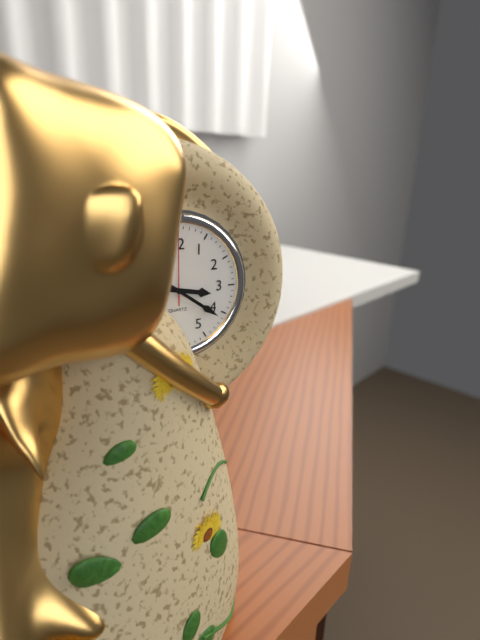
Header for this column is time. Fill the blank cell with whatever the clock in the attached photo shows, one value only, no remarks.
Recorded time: 3:21:00
